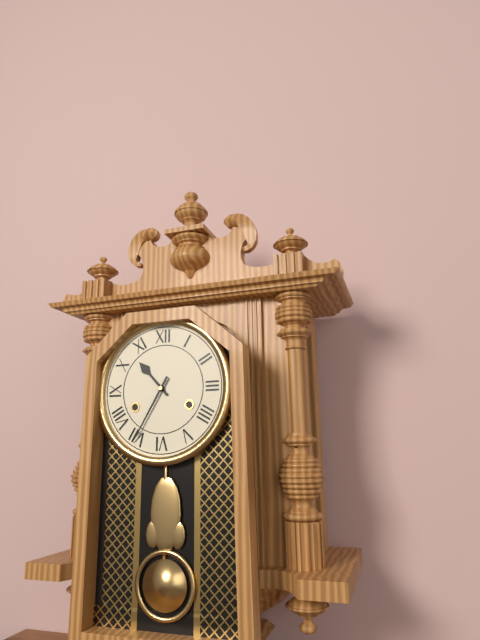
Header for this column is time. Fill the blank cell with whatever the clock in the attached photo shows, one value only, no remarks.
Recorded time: 10:35
